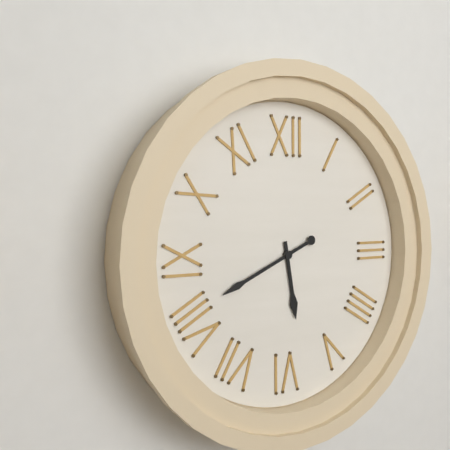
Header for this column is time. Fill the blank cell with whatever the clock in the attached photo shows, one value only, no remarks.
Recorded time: 5:41
